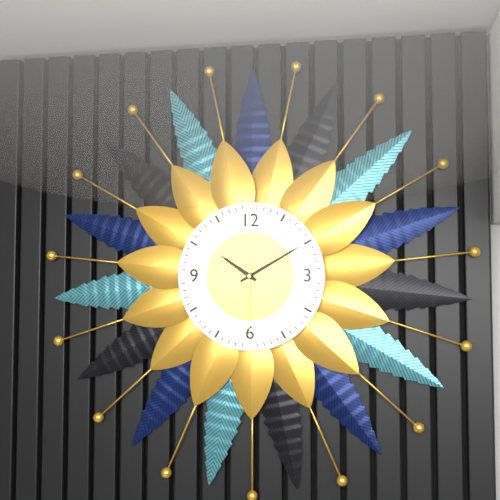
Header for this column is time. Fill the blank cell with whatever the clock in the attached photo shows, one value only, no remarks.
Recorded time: 10:10:30
